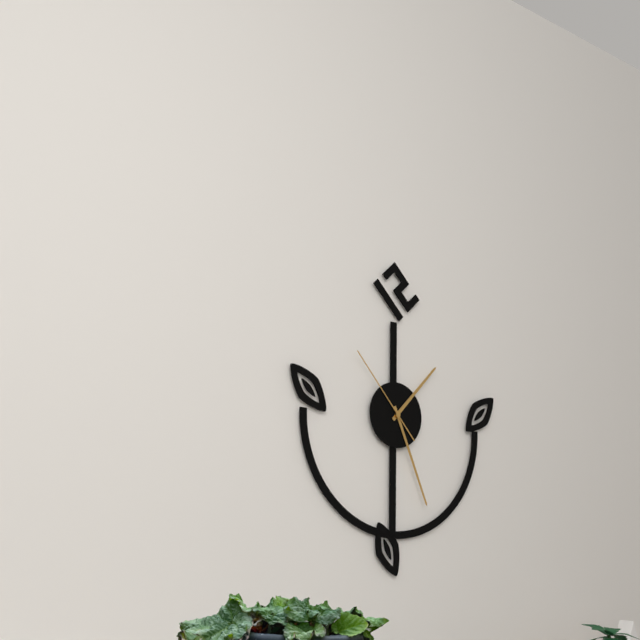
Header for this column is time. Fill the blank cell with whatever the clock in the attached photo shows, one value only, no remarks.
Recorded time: 1:26:53
